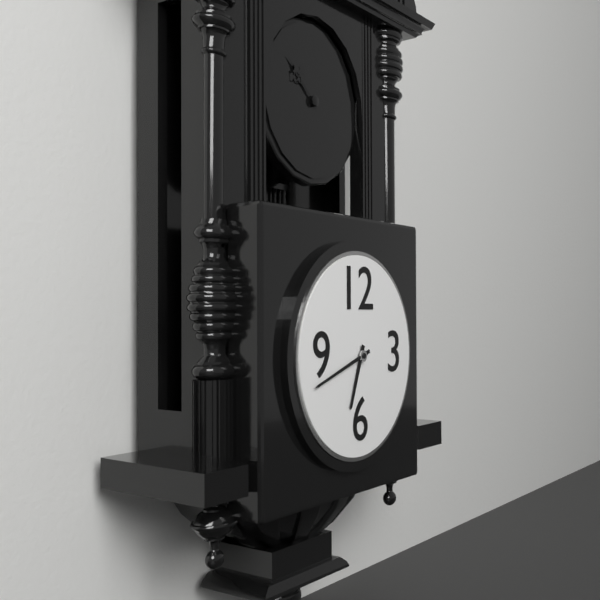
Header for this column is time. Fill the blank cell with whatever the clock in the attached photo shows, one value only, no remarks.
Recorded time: 6:42
